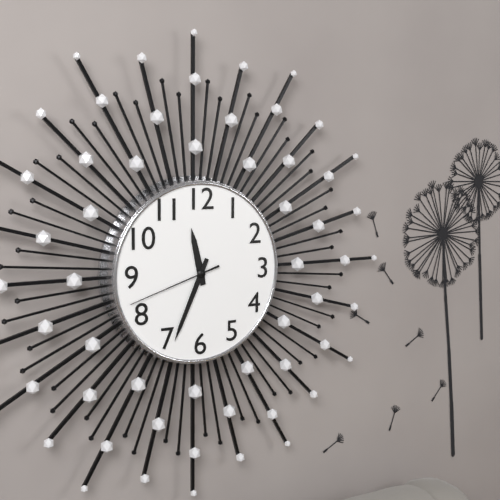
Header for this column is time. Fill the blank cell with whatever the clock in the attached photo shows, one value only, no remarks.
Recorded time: 11:34:42
